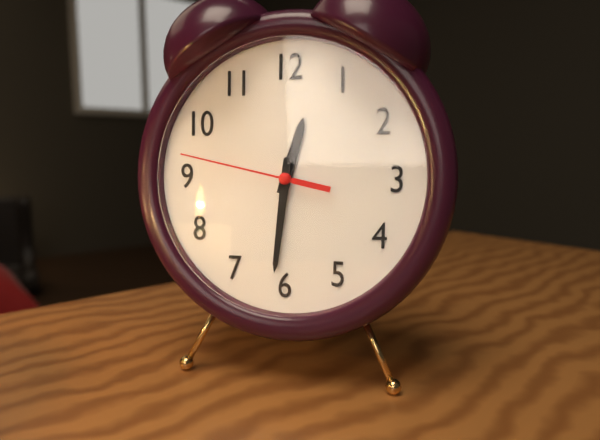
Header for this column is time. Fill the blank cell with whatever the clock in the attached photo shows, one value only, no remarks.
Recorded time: 12:31:47
